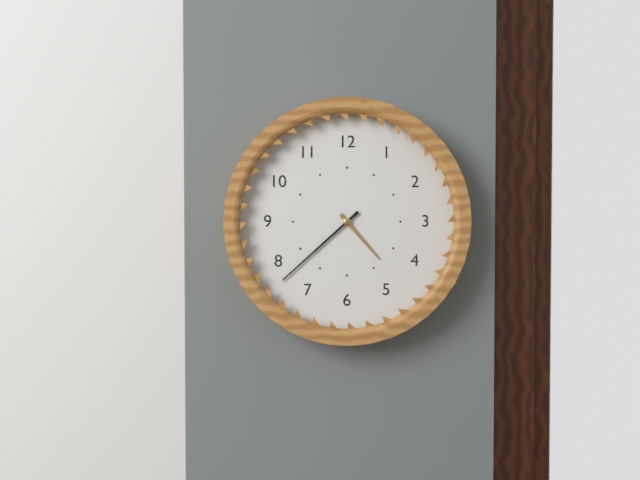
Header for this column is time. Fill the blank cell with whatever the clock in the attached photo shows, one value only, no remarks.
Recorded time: 4:38
